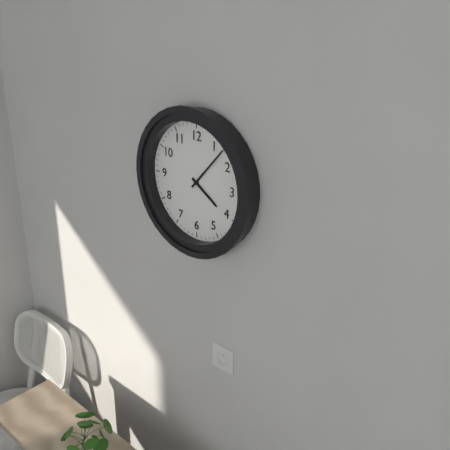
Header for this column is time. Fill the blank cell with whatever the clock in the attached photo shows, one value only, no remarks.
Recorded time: 4:07
